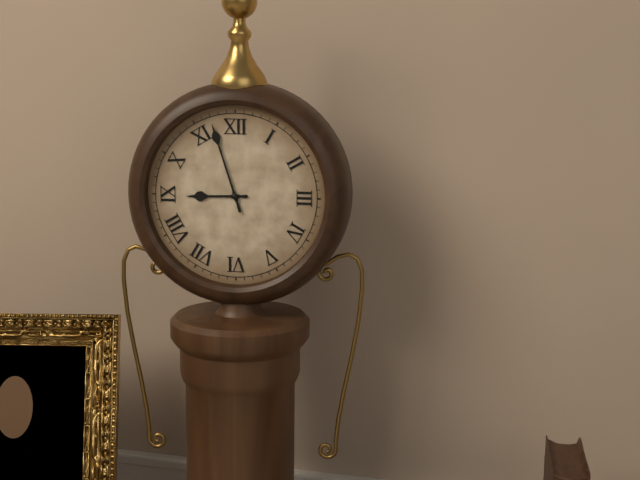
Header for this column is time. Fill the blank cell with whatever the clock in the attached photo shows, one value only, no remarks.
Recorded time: 8:57
